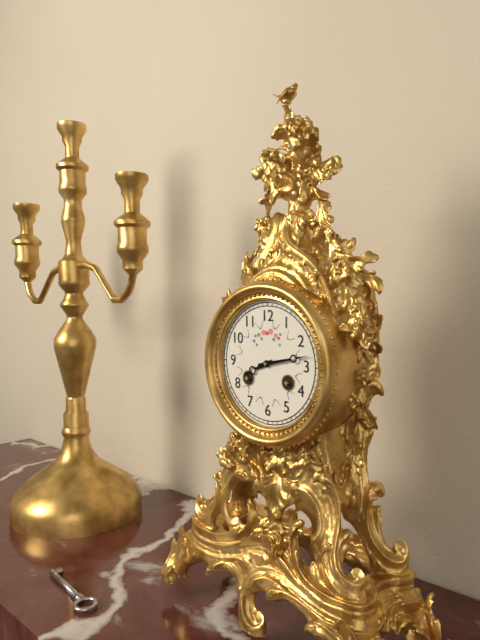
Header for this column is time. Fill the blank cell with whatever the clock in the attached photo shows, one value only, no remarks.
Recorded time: 8:13
